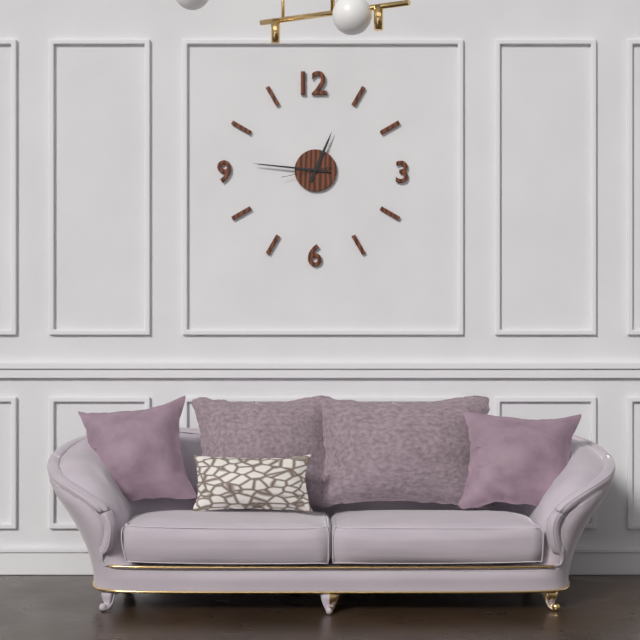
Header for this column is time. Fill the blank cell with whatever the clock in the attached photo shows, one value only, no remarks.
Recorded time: 12:46
